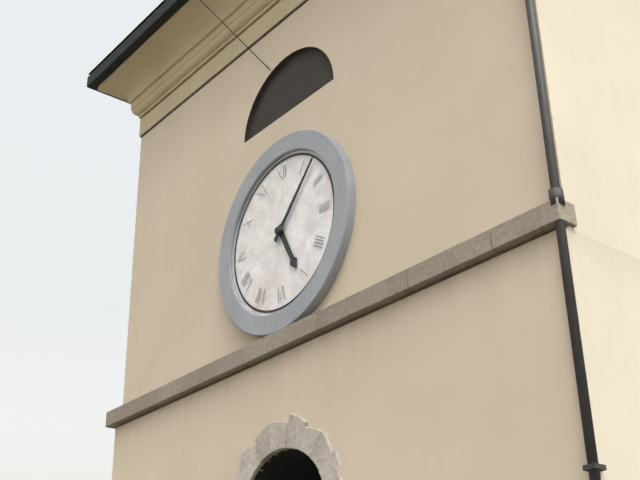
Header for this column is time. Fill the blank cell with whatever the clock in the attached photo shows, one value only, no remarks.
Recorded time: 5:07
